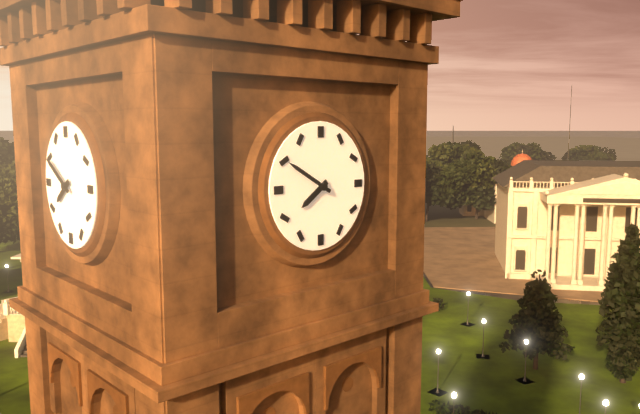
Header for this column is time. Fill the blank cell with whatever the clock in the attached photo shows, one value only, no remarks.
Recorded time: 7:50
